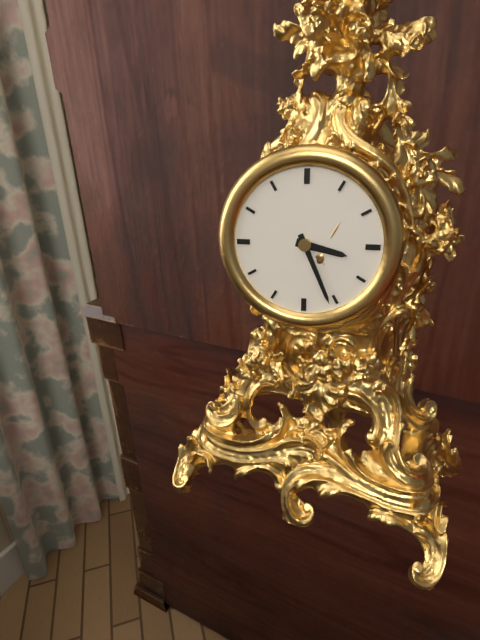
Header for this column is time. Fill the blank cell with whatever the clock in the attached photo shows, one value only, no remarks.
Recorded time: 3:26
